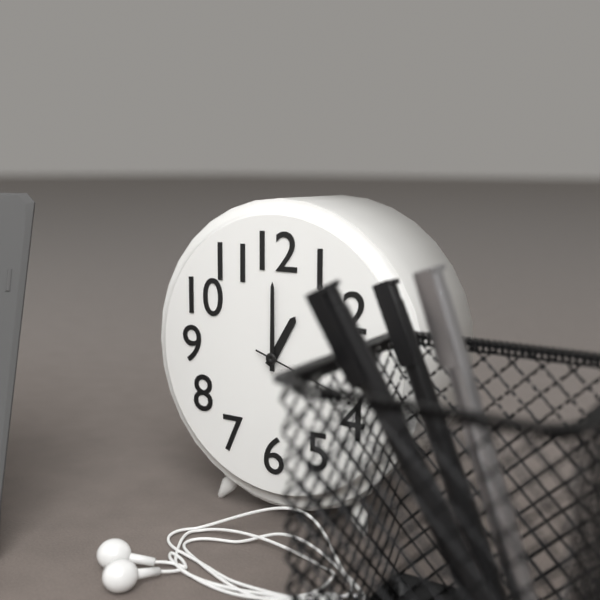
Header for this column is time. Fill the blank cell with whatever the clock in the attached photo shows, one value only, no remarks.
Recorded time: 1:00
